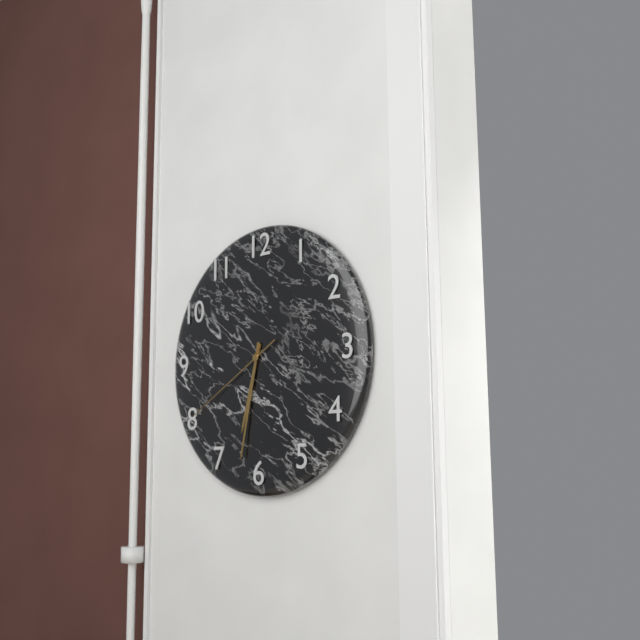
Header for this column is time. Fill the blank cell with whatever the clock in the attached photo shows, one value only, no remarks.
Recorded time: 6:32:40
